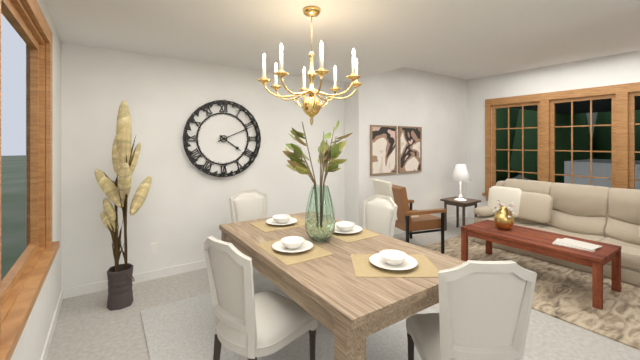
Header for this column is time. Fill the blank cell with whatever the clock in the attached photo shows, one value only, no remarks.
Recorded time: 4:11
